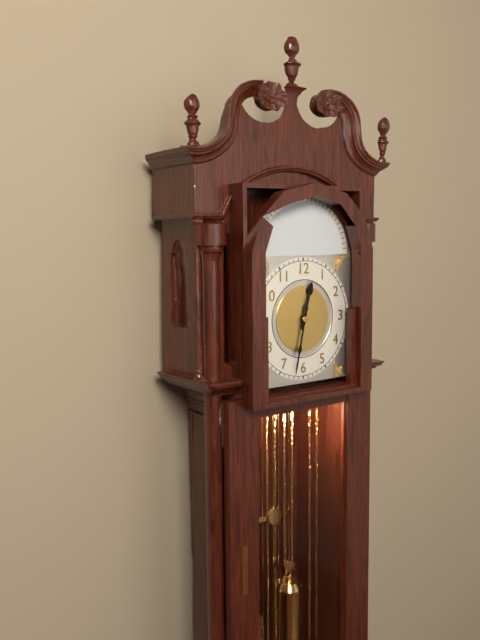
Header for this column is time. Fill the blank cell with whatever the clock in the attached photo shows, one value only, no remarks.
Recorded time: 12:32
